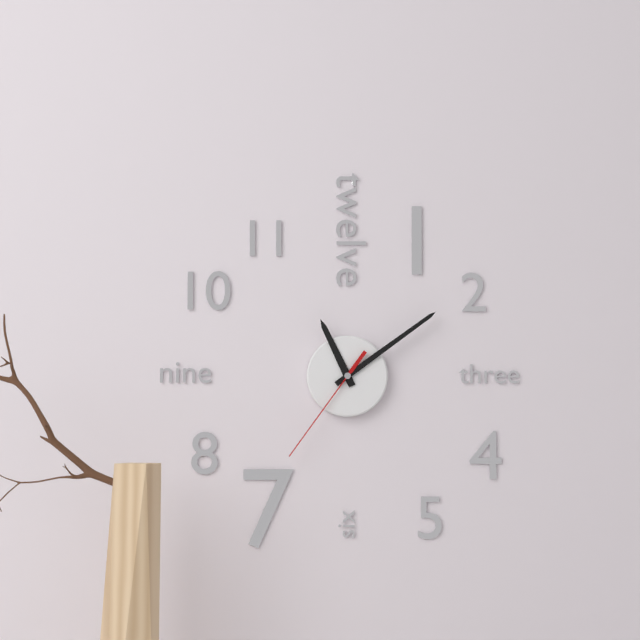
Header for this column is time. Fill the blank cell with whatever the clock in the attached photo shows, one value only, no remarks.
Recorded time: 11:09:36
